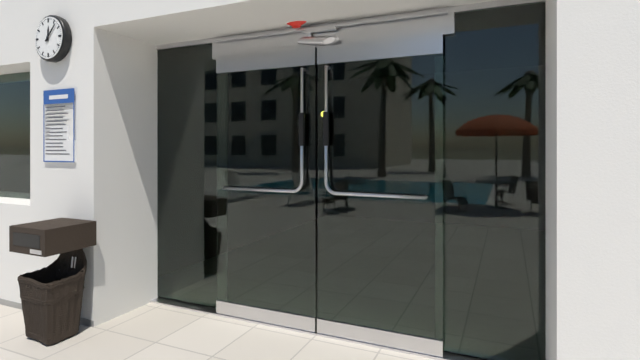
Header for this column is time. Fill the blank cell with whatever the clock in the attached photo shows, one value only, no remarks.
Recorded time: 12:07
